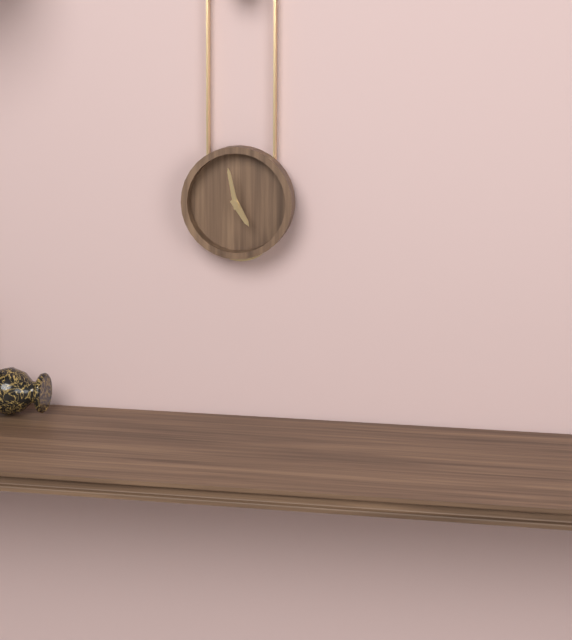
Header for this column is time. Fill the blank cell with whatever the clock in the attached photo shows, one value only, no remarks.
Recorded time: 4:58
